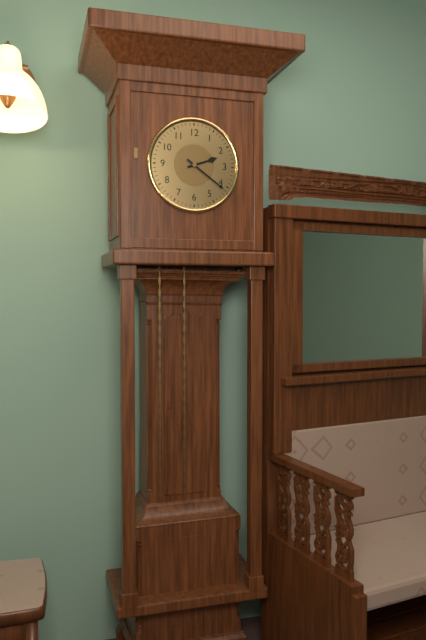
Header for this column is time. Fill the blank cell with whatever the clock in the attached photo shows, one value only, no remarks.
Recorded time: 2:21
